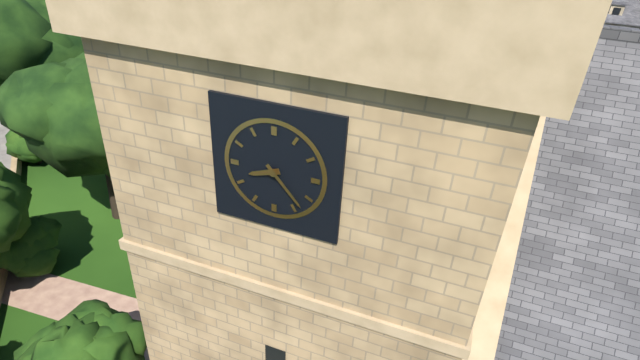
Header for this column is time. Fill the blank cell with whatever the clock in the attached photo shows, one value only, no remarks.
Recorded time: 8:23
